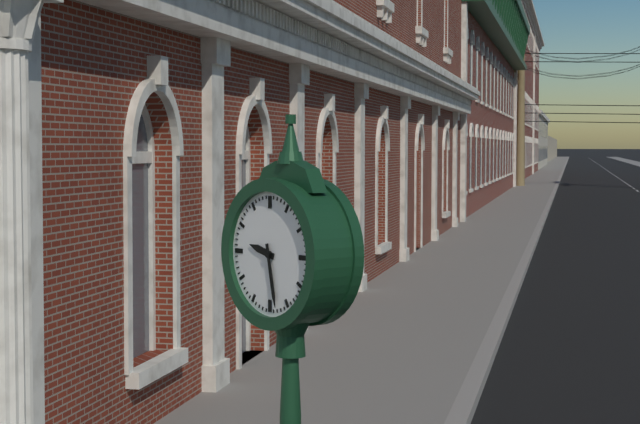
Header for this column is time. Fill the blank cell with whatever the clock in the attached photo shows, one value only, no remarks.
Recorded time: 9:28
